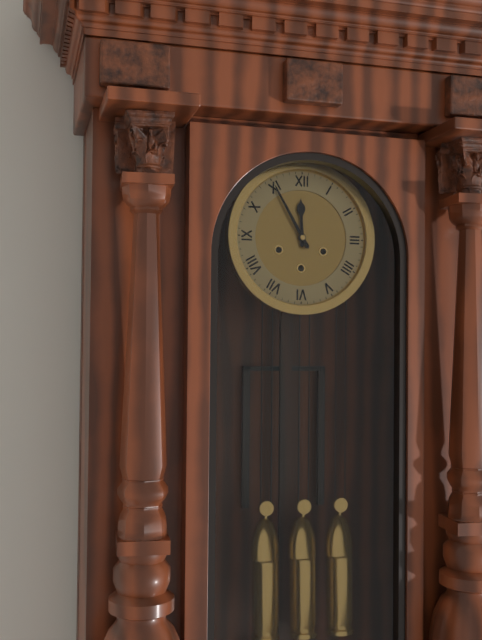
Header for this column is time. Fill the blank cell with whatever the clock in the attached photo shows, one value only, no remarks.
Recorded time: 11:55
